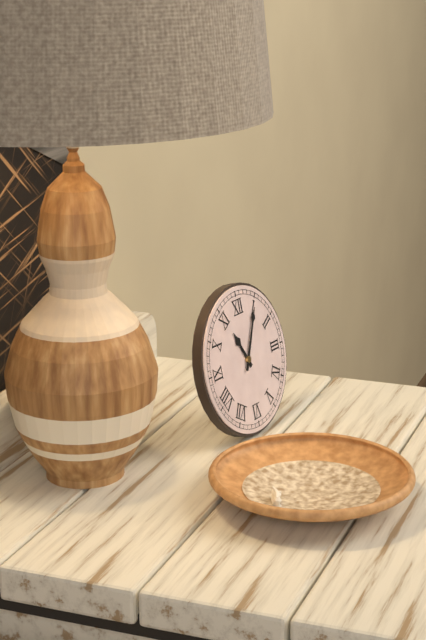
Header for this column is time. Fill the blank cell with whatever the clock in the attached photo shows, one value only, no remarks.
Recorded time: 11:05
